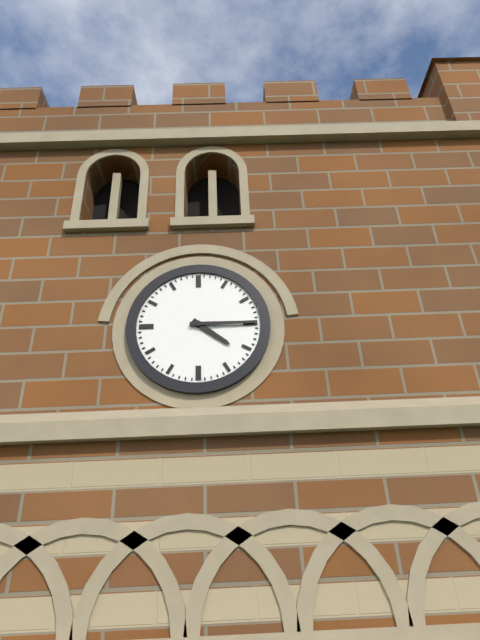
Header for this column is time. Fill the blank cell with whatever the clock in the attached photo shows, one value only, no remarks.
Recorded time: 4:15
